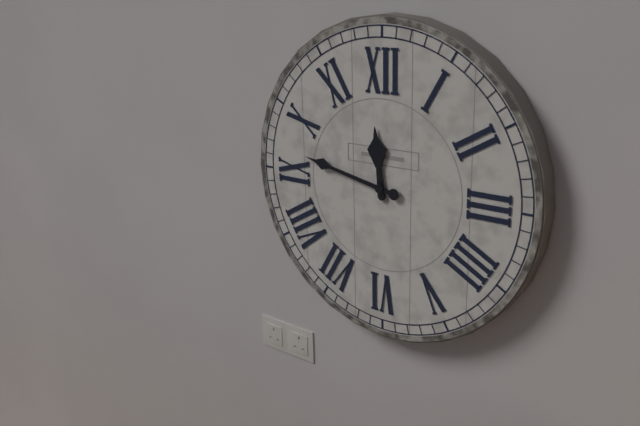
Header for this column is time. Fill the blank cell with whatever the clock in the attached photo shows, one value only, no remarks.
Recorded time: 11:47
